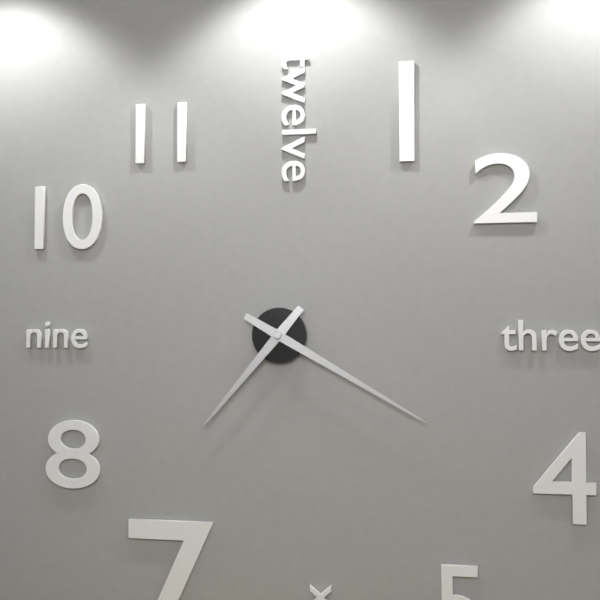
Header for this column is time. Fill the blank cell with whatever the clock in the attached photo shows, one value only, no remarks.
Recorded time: 7:20
